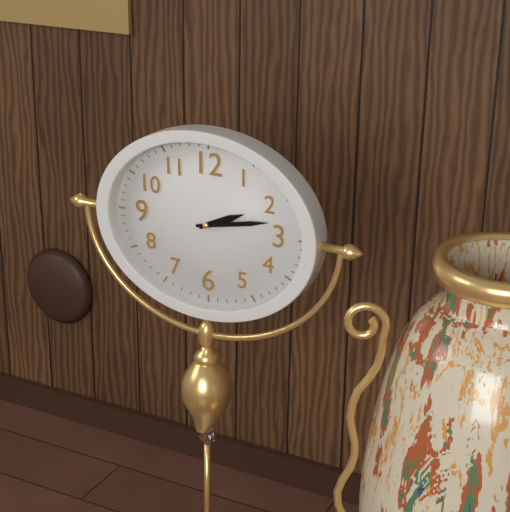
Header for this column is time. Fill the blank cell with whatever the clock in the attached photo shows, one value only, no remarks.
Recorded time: 2:13
